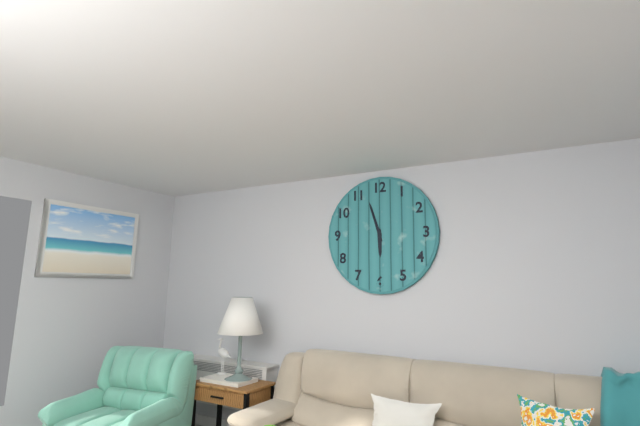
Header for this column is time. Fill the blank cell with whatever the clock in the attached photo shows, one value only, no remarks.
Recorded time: 5:57
